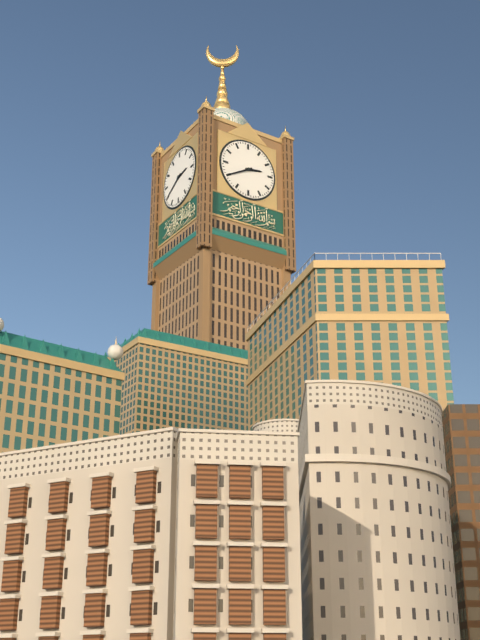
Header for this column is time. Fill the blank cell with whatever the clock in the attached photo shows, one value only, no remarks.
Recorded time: 2:40
